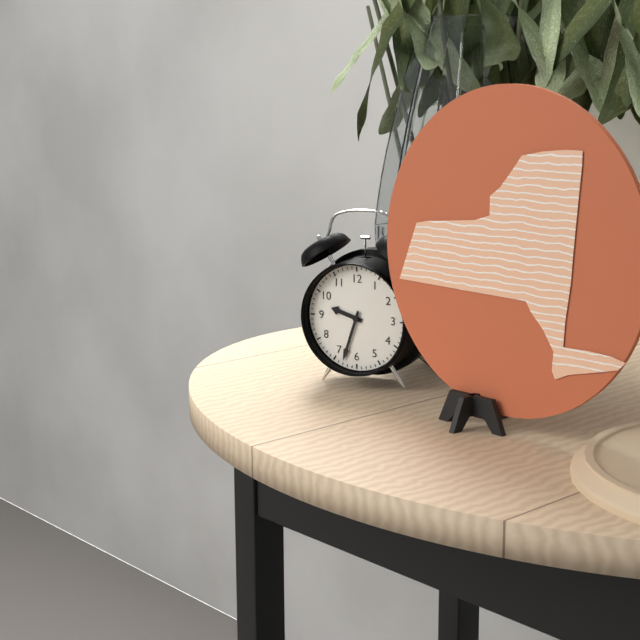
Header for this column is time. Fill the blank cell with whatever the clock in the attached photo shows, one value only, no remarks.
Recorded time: 9:33
